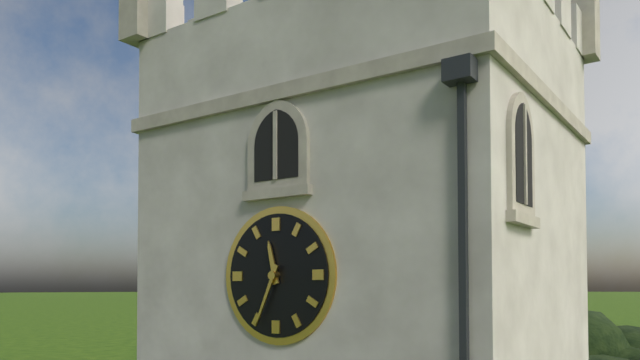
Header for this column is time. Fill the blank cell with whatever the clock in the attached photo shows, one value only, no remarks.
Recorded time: 11:34
